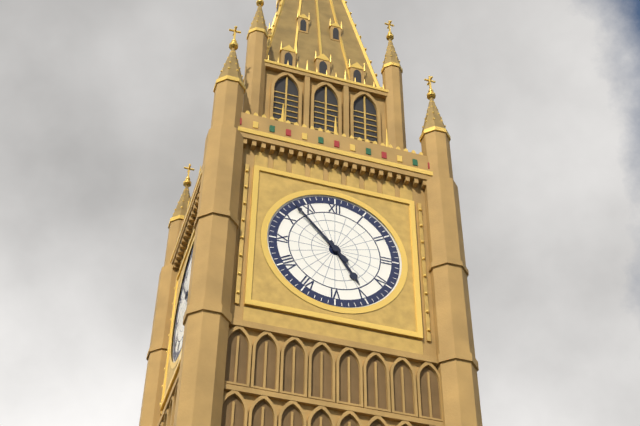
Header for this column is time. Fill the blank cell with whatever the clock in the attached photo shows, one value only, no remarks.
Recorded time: 4:53
